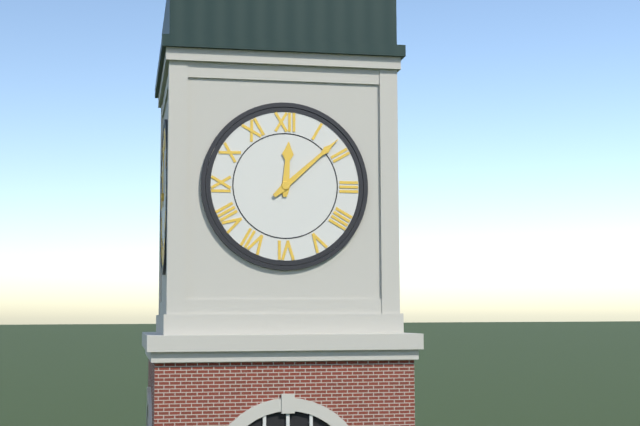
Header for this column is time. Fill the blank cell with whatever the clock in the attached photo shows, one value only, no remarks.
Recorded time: 12:08
